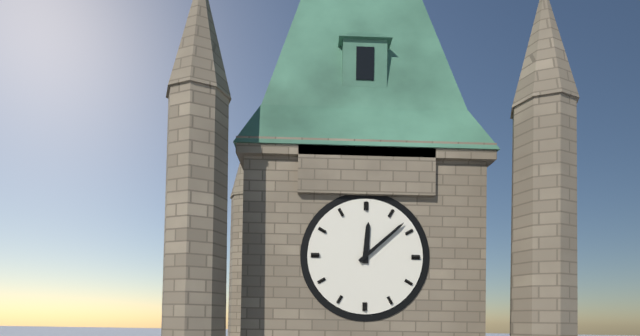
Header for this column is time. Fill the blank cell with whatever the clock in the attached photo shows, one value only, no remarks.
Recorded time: 12:08
